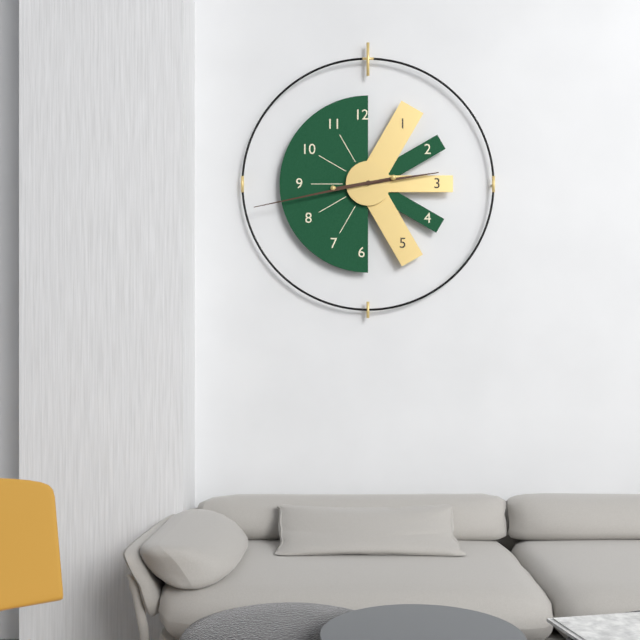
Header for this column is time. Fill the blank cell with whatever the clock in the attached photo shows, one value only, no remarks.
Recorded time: 2:43
